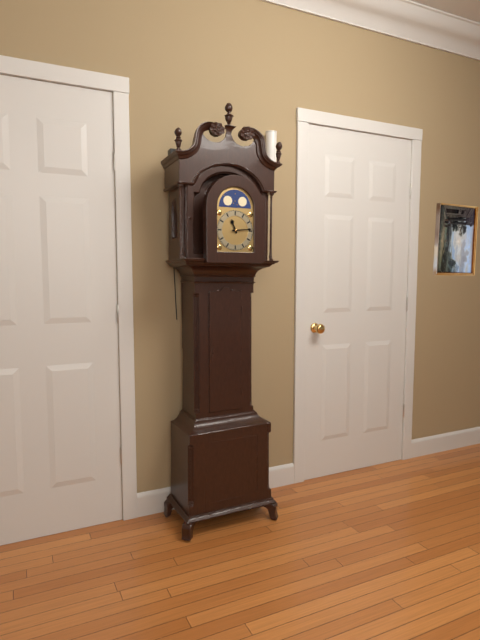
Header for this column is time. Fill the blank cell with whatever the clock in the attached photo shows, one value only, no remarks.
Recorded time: 11:14
